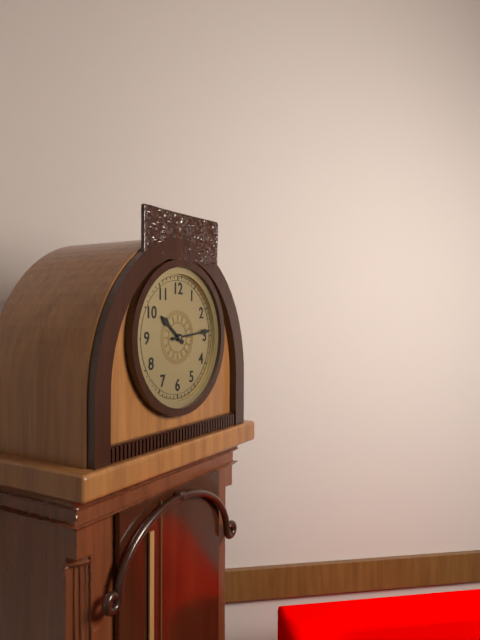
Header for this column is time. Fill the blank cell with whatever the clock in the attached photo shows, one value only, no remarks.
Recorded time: 10:14
